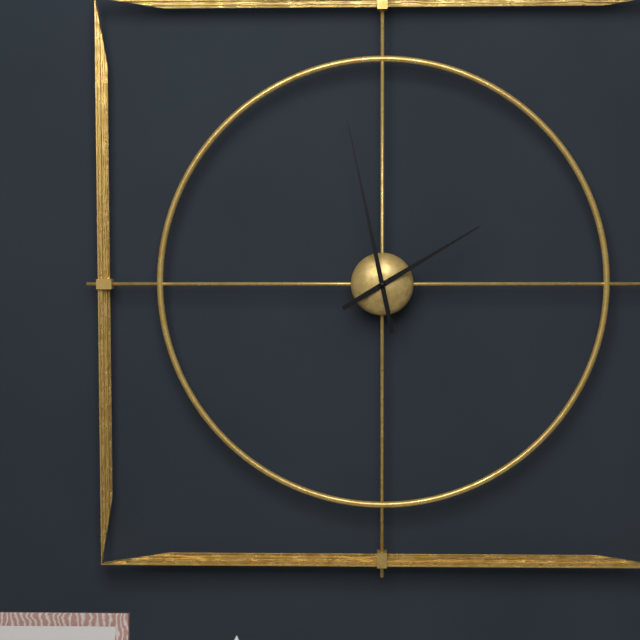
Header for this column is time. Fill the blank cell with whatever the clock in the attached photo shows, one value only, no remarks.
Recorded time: 1:58
